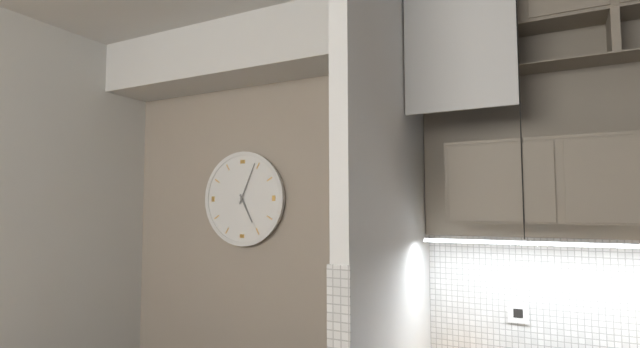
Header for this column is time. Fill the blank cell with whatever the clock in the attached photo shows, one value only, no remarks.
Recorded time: 5:04
